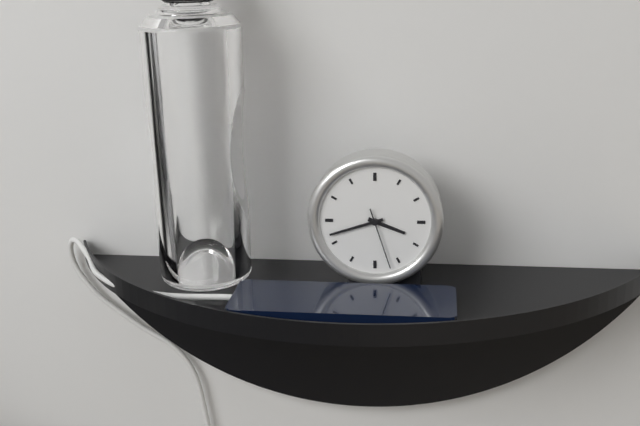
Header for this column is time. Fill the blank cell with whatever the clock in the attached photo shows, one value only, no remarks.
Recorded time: 3:42:27
